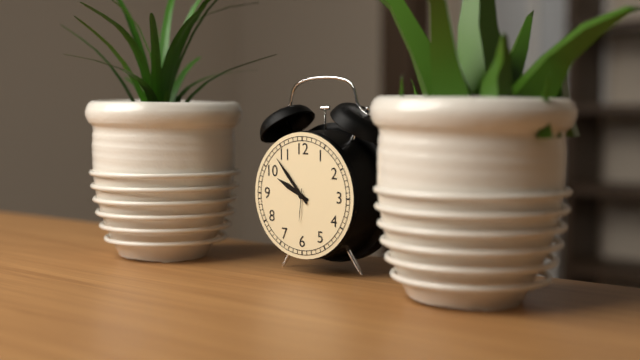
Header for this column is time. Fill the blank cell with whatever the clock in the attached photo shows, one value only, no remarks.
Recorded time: 9:53
